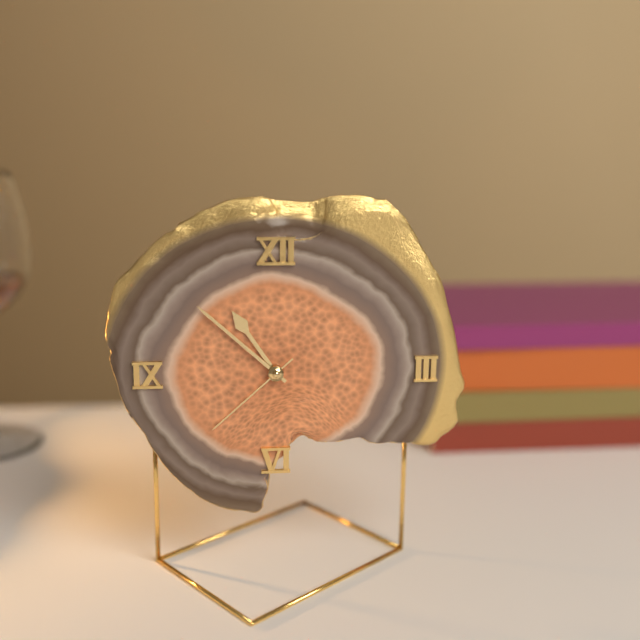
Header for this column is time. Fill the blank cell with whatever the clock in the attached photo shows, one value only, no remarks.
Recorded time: 10:52:38
